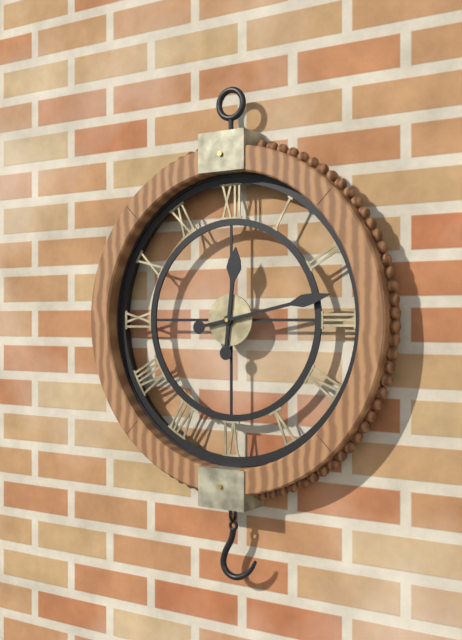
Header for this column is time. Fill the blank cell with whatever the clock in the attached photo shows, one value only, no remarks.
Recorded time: 12:13
